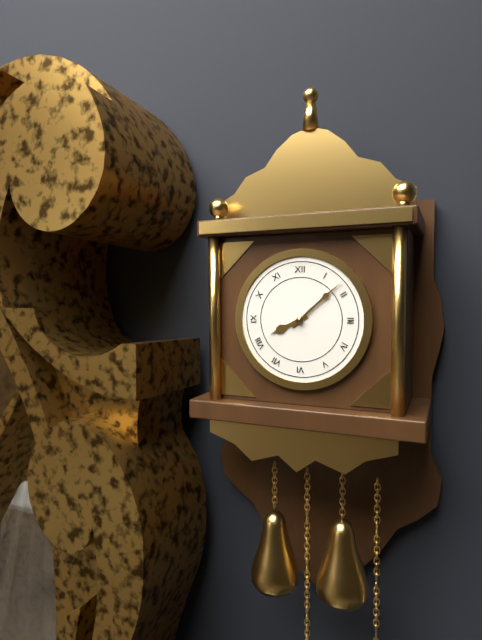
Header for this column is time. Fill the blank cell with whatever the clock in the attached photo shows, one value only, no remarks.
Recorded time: 8:08
